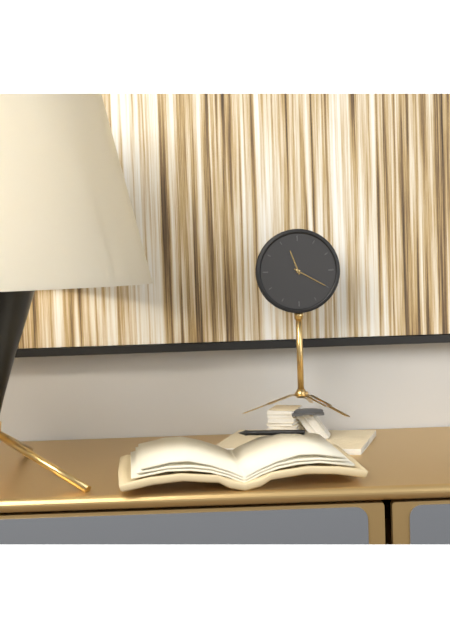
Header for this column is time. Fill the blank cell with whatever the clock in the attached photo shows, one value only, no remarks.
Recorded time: 11:20
